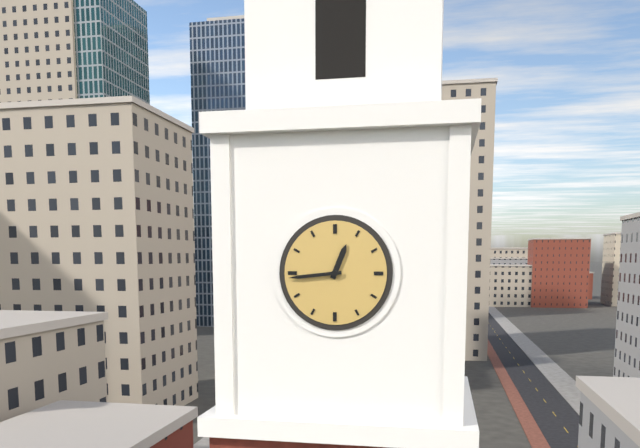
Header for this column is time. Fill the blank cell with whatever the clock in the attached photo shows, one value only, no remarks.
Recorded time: 12:44
